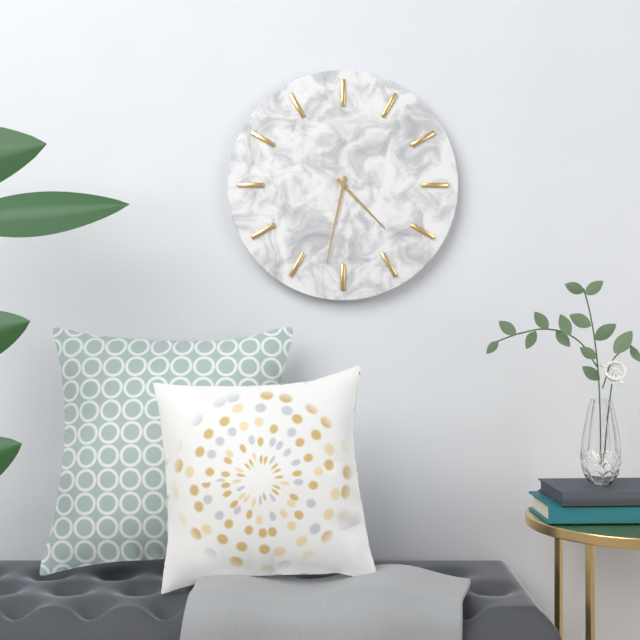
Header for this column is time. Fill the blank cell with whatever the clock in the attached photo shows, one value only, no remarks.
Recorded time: 4:32
